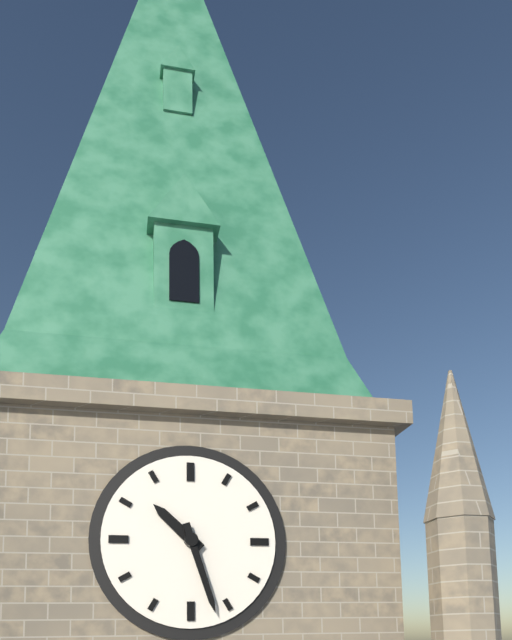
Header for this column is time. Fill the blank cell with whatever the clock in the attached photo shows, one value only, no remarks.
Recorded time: 10:27
